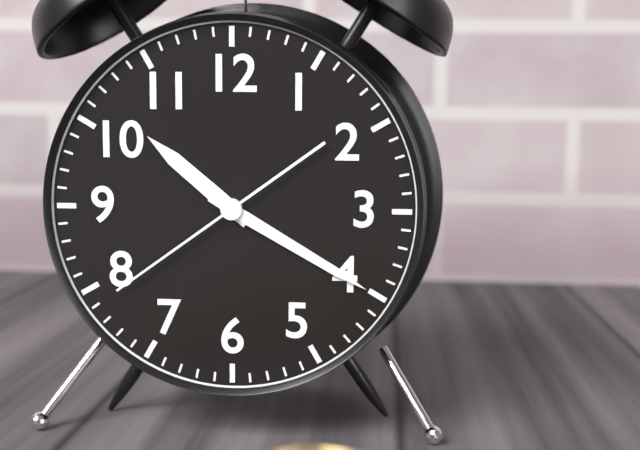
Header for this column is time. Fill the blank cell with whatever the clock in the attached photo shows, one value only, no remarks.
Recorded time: 10:20:39
